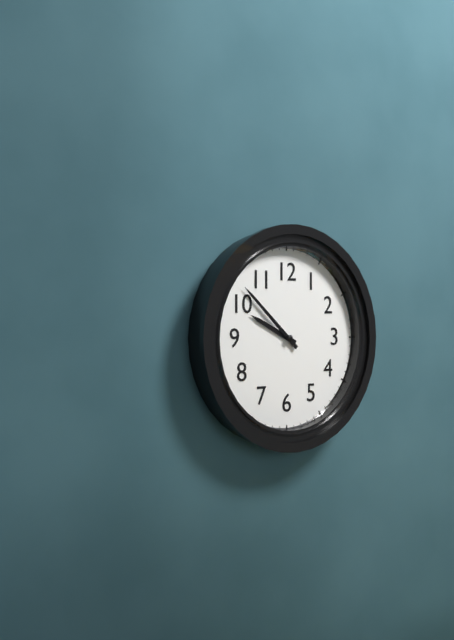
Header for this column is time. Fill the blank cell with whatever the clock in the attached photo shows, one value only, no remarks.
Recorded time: 9:52
